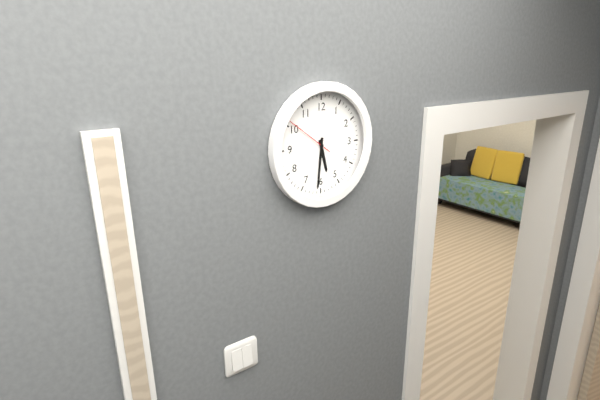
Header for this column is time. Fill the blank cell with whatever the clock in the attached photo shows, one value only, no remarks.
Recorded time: 5:31:51
